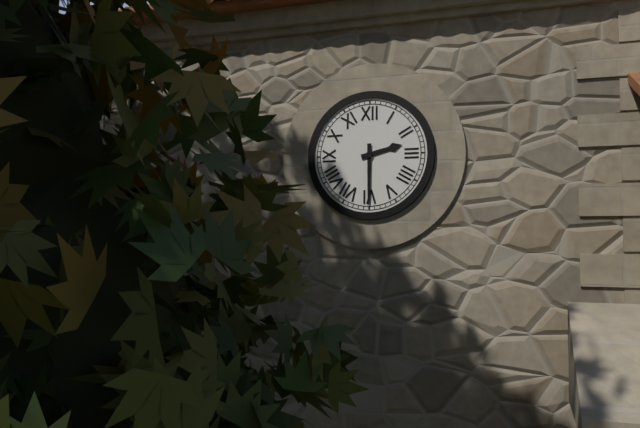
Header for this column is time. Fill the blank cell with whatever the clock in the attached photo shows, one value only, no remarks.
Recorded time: 2:30
